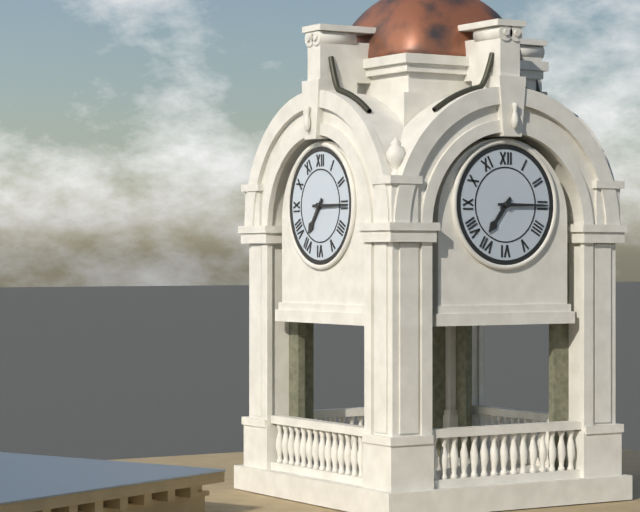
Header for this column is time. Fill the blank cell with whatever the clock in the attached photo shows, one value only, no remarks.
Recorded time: 7:15
